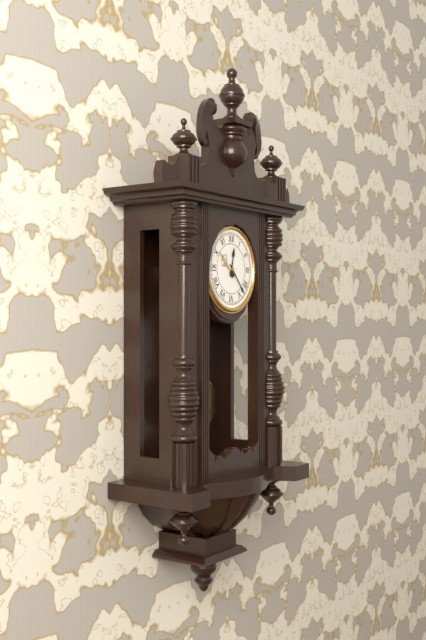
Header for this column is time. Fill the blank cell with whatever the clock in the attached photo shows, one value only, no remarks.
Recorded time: 12:23
